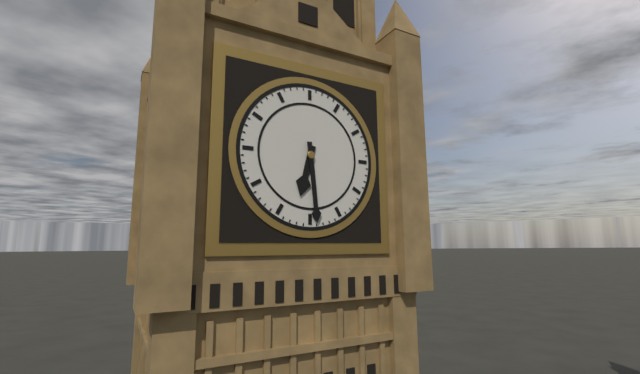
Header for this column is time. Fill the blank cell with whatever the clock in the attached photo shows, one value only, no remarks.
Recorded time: 6:29
